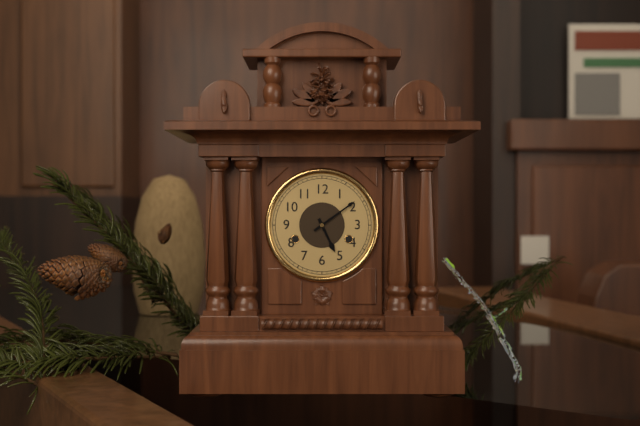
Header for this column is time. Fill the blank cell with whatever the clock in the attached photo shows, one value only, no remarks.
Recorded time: 5:09
